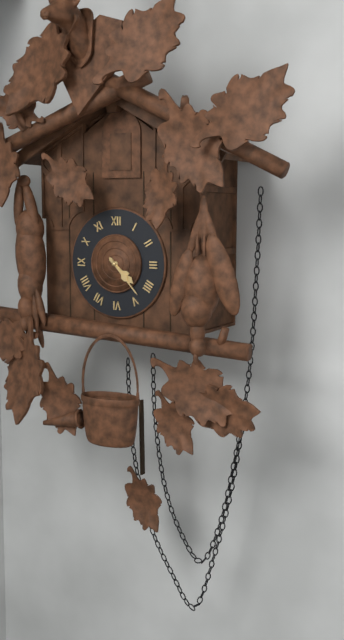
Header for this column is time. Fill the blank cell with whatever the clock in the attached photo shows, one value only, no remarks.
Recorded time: 4:23
